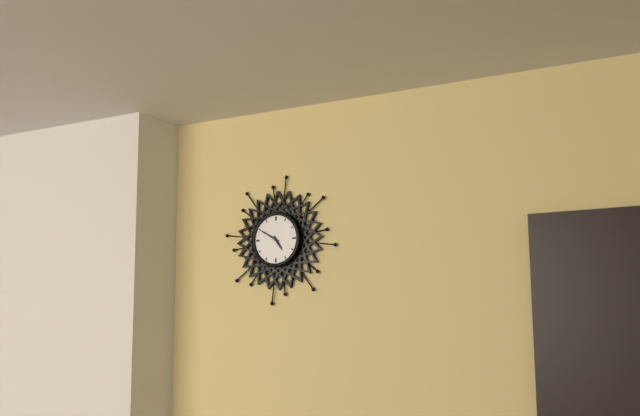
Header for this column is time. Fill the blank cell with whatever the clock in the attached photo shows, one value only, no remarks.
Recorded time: 4:50
